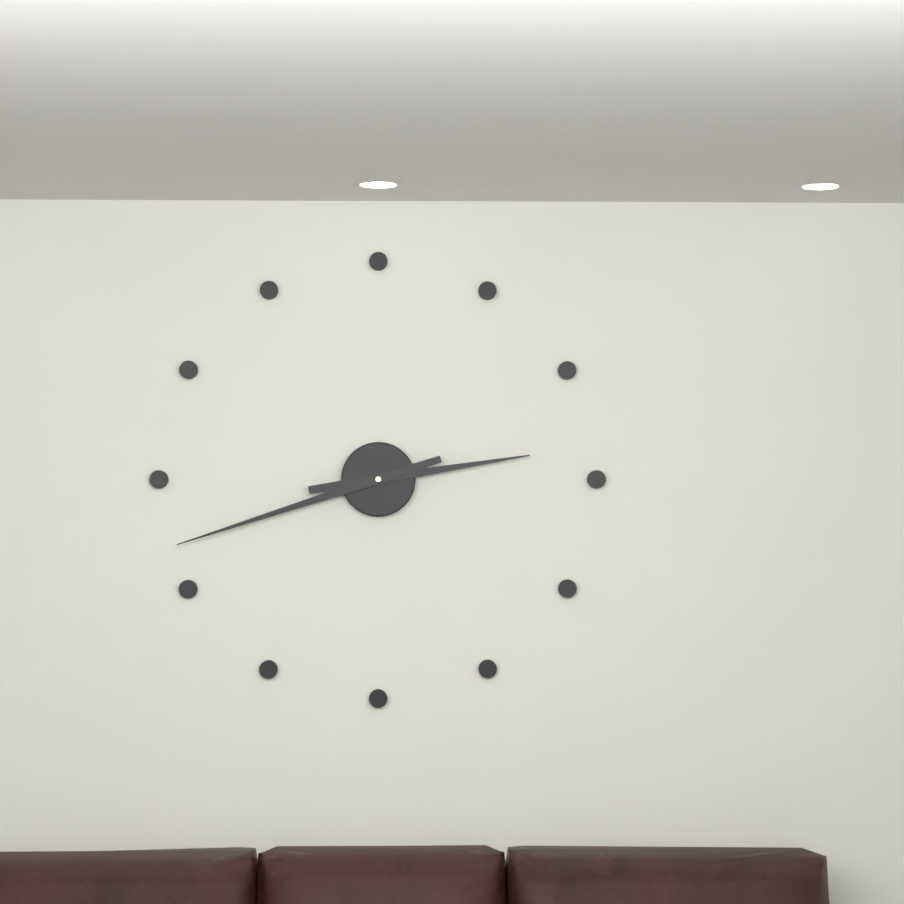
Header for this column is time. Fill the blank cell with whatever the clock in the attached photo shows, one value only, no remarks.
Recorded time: 2:42
